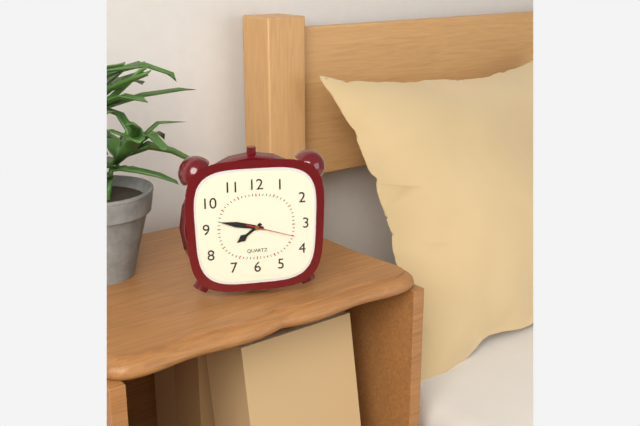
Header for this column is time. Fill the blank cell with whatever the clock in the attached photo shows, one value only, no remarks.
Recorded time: 7:47
